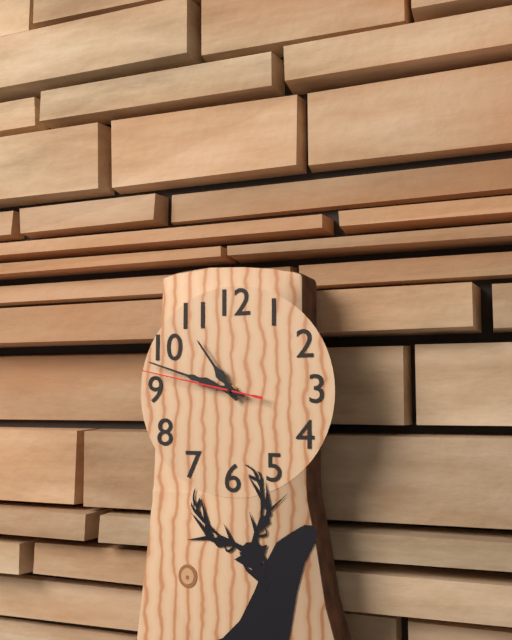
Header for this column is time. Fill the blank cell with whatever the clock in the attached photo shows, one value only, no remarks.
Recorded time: 10:48:47
